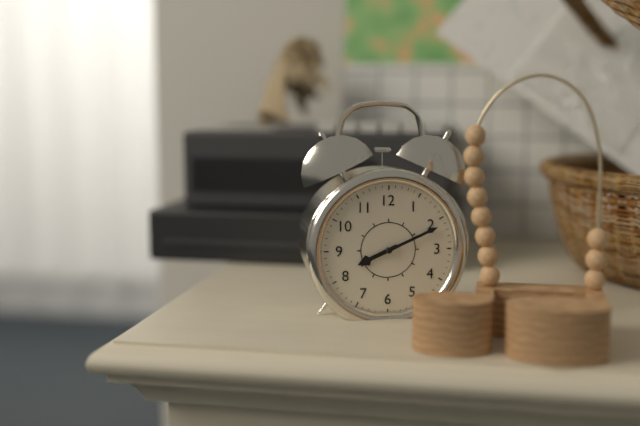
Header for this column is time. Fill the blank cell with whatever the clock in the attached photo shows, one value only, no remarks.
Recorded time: 8:11
